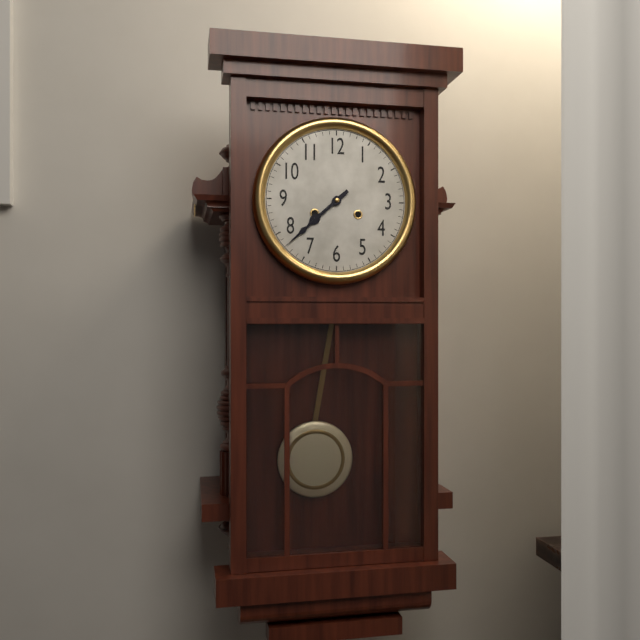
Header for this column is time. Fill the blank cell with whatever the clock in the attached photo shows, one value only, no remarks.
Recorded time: 7:38
